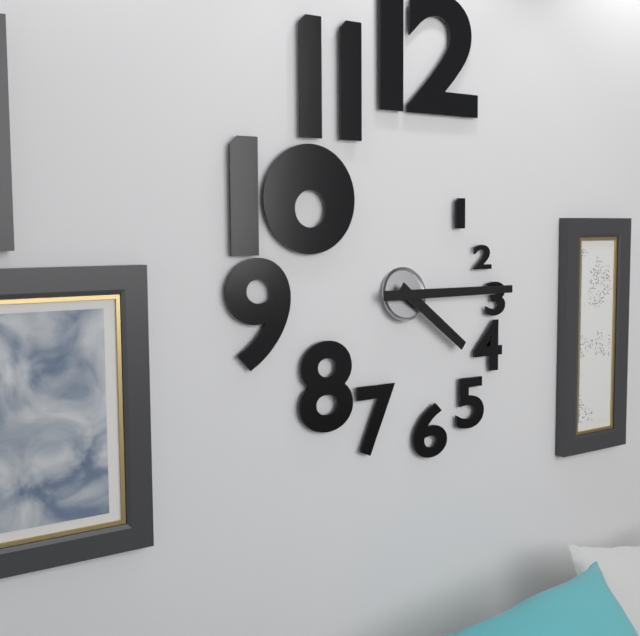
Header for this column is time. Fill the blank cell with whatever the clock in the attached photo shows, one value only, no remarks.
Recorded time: 4:15
